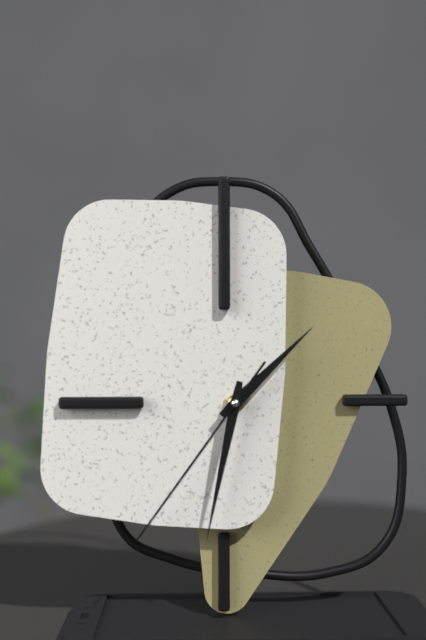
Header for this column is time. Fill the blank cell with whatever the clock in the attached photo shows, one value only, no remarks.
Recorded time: 1:32:36
